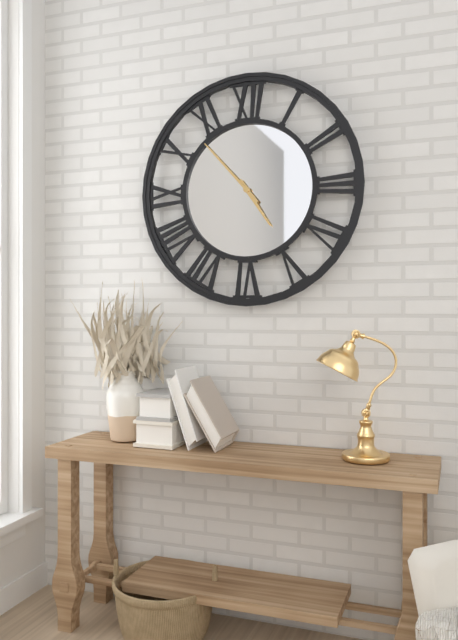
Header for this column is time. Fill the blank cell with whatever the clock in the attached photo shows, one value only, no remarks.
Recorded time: 4:53
